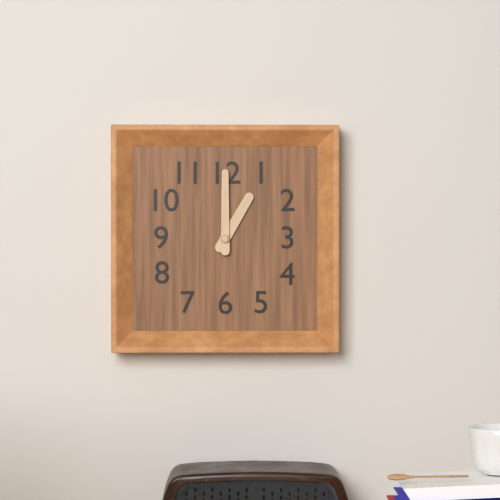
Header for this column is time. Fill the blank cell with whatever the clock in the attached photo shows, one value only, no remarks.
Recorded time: 1:00
